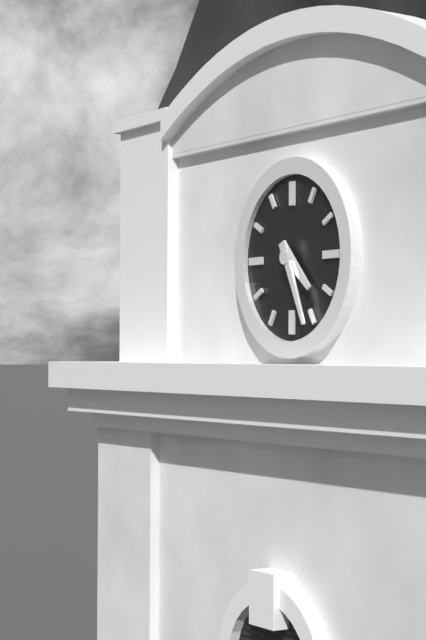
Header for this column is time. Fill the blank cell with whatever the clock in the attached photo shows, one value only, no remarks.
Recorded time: 4:26
